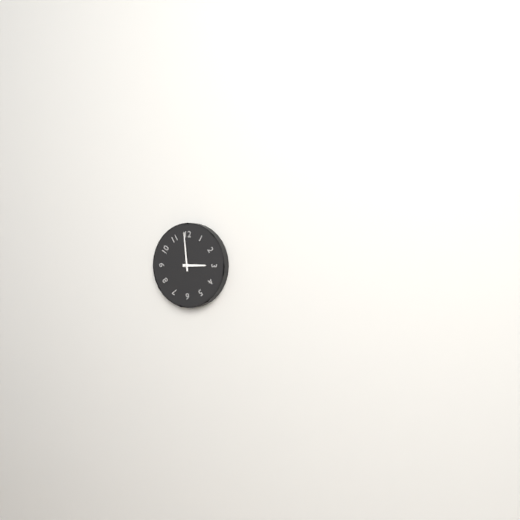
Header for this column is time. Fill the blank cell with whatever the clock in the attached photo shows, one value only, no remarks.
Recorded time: 2:59
